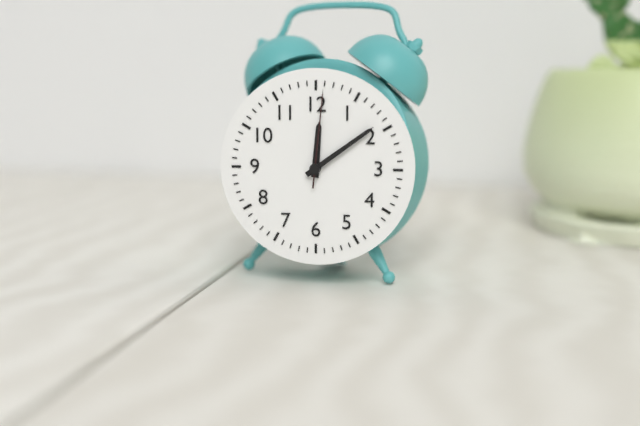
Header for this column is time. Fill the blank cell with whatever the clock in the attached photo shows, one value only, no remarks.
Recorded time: 12:09:01
